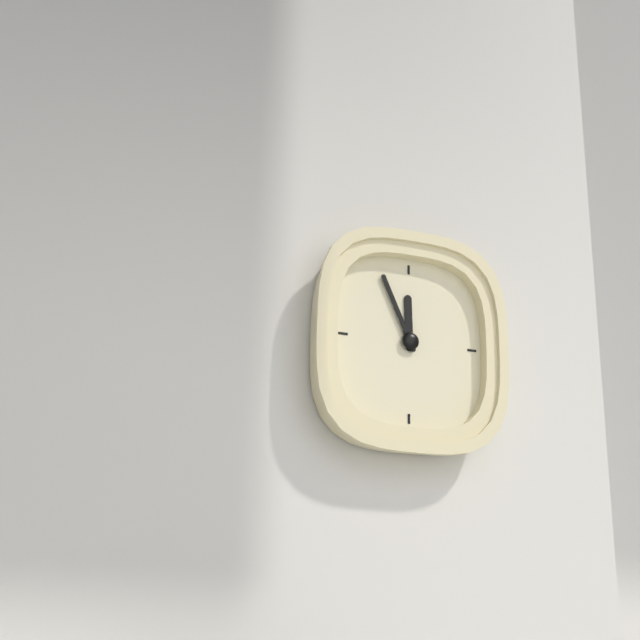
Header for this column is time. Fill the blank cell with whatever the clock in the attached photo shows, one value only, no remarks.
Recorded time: 11:56
